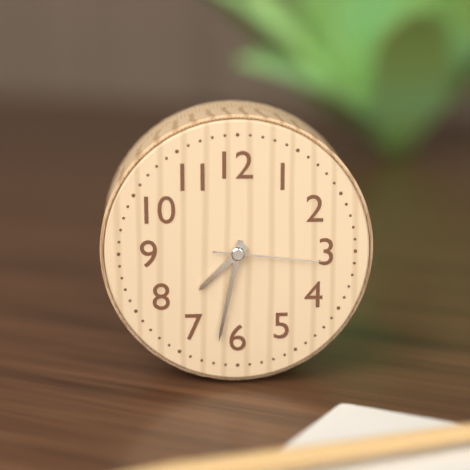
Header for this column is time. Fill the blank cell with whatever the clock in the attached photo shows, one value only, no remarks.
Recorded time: 7:32:16
